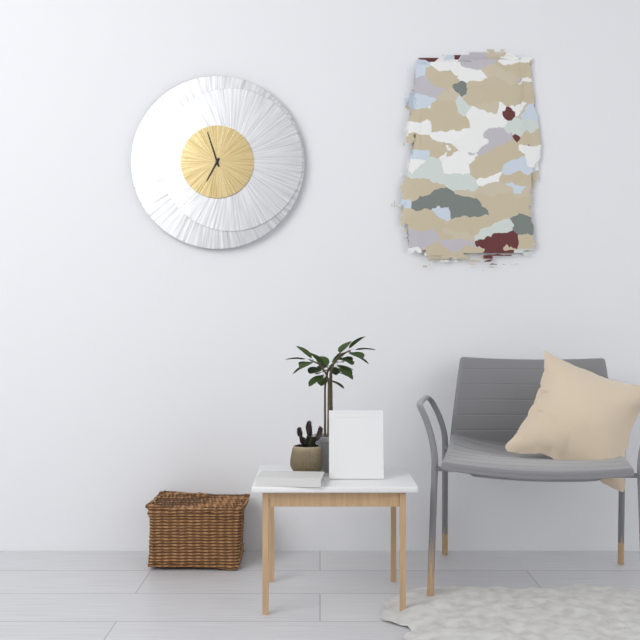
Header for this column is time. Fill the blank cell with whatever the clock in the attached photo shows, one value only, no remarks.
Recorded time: 6:57
